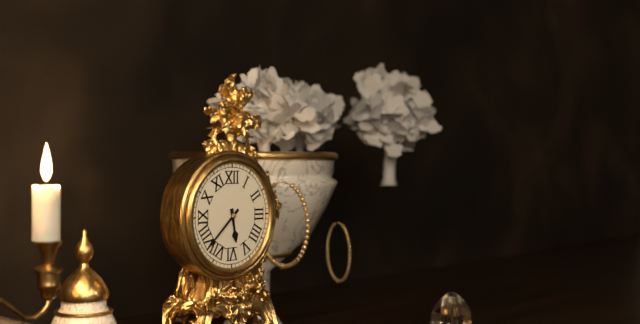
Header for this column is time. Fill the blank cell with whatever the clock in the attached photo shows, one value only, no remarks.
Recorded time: 5:38
